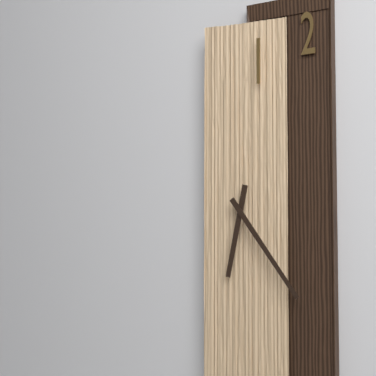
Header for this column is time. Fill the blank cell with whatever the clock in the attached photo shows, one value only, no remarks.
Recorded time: 6:24
